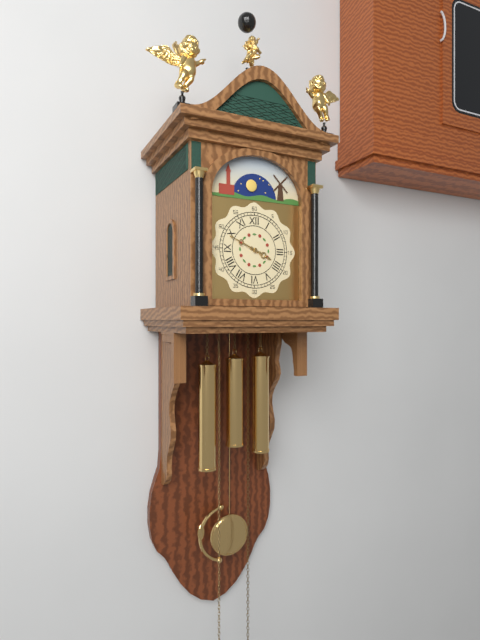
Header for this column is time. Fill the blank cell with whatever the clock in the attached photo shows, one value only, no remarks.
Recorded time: 3:49
